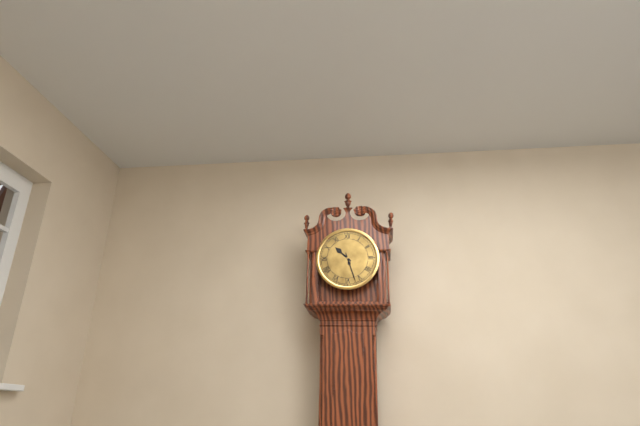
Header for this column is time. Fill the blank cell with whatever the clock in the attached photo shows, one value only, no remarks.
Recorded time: 10:27
